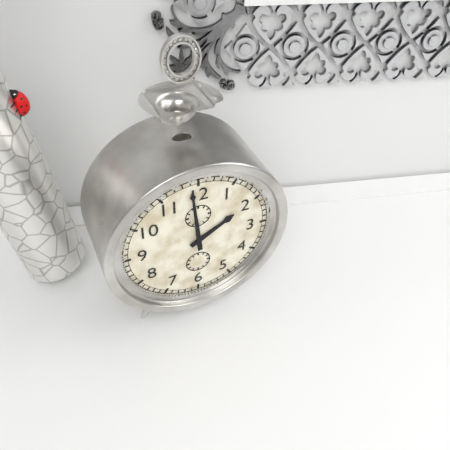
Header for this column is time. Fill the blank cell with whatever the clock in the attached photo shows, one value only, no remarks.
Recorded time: 1:59
